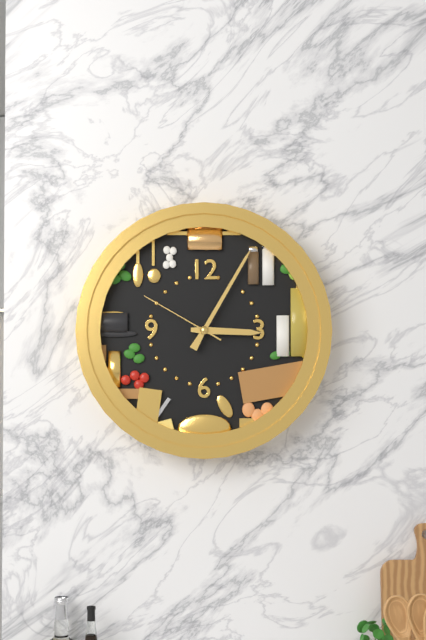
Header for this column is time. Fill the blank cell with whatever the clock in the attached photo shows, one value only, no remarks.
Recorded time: 3:05:50
